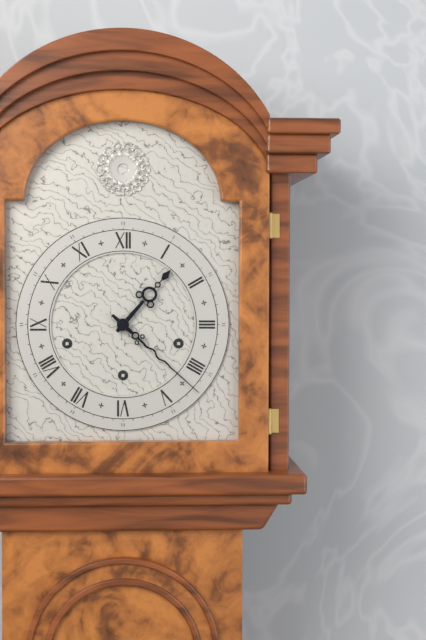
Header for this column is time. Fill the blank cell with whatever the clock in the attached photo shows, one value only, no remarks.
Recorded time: 1:22
